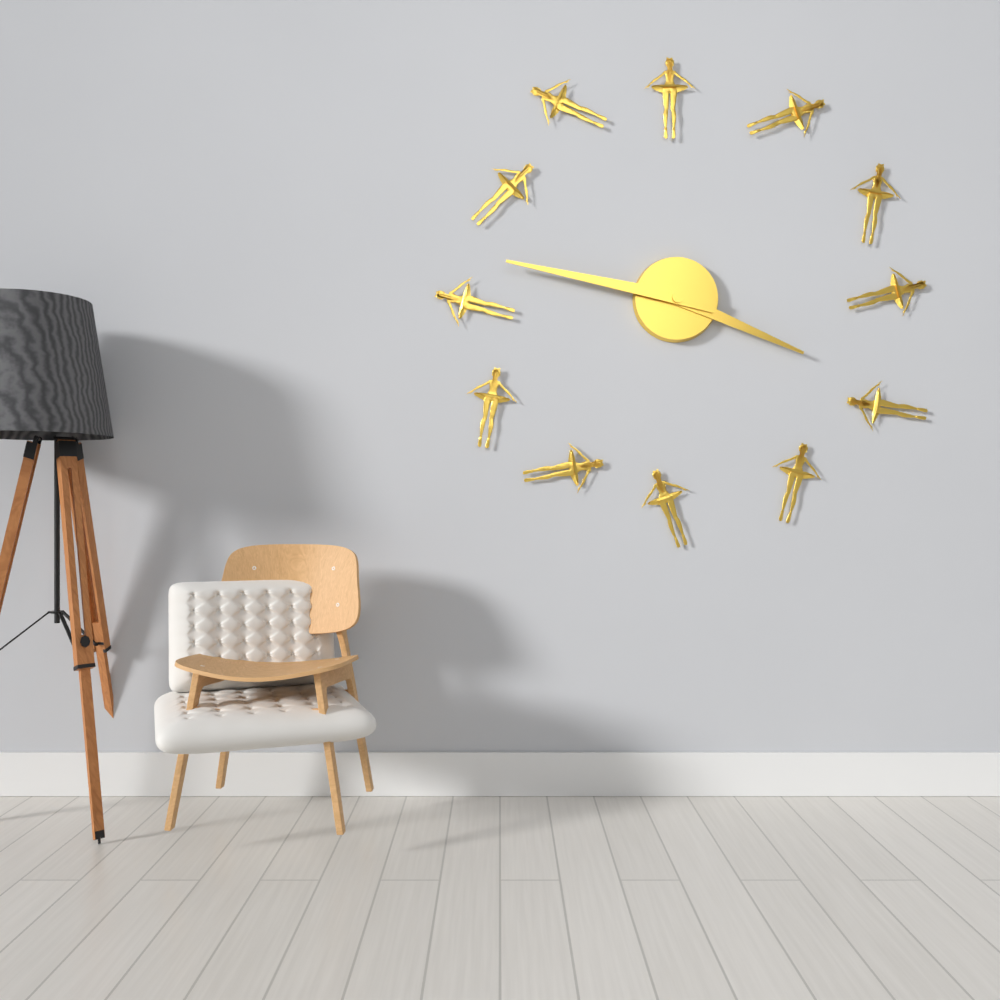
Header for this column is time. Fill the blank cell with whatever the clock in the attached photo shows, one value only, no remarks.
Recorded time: 3:47
